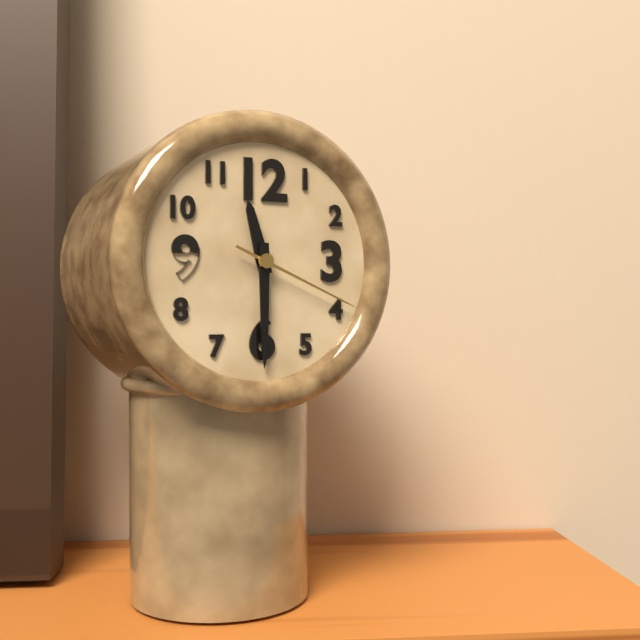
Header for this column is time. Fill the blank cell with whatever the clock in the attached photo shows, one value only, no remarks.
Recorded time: 11:30:19
